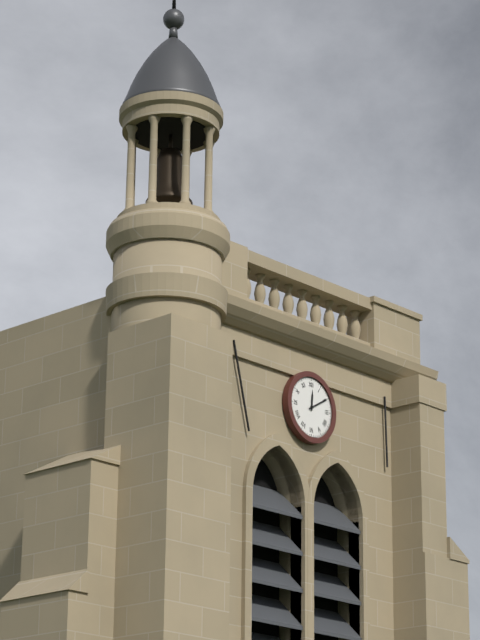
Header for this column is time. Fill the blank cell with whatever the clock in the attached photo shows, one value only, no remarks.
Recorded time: 12:10
